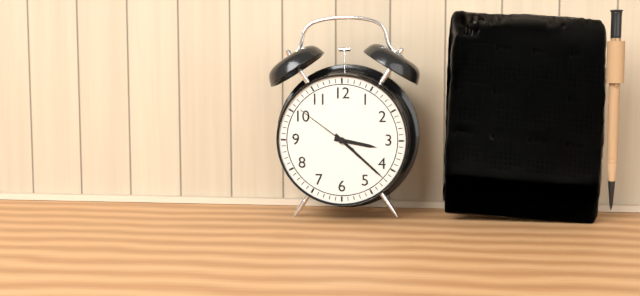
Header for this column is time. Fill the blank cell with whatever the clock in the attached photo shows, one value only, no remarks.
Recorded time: 3:22:51
